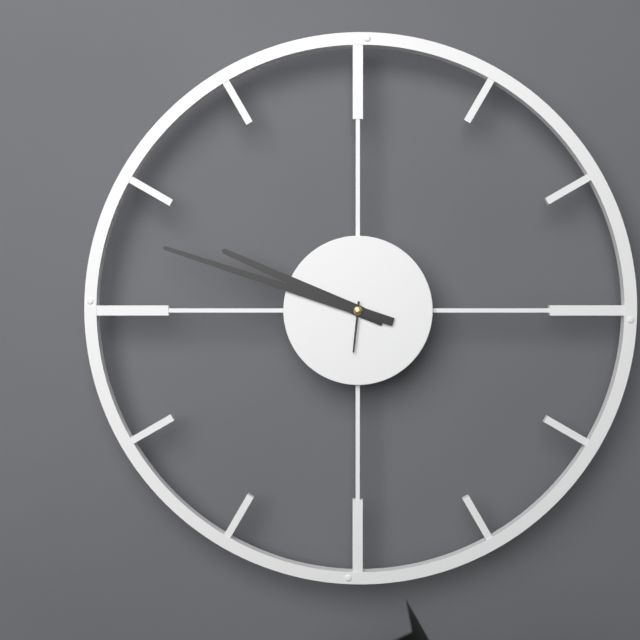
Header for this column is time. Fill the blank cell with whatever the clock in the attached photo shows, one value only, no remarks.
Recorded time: 9:48:31
